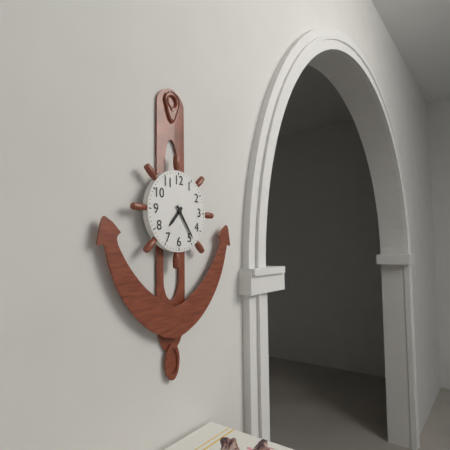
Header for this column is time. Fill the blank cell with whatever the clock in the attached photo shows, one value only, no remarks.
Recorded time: 7:24
